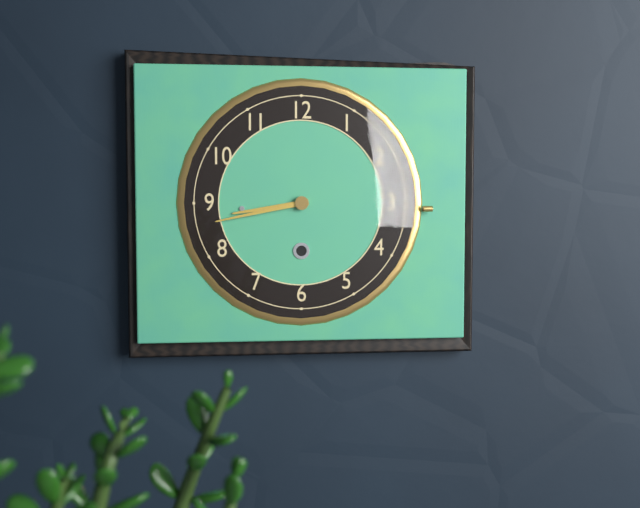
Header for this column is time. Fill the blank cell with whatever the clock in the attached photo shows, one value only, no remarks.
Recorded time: 8:43
